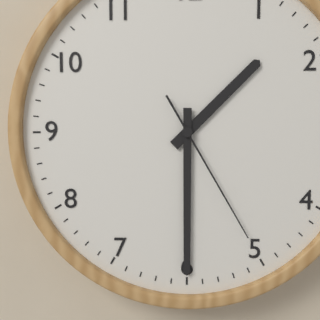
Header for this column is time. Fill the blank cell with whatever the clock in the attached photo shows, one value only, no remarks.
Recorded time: 1:30:25
